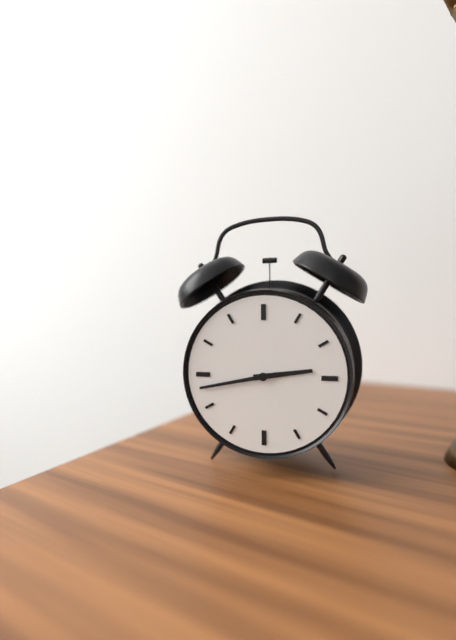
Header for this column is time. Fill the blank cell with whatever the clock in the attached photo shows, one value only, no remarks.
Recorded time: 2:43
